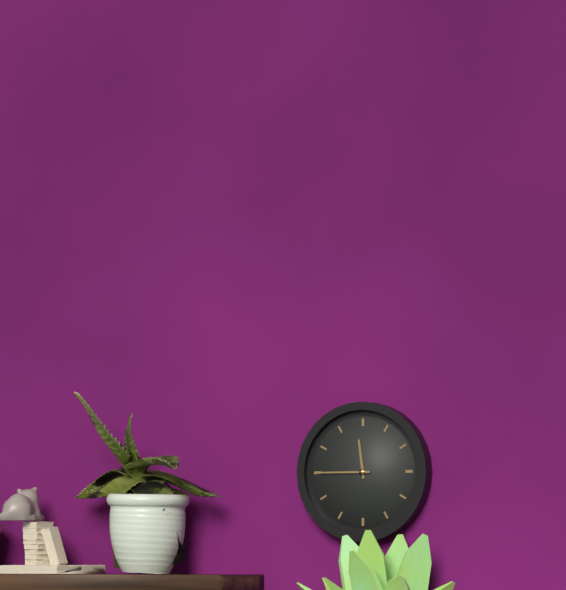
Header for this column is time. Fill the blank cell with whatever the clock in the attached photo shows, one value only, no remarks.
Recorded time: 11:45
